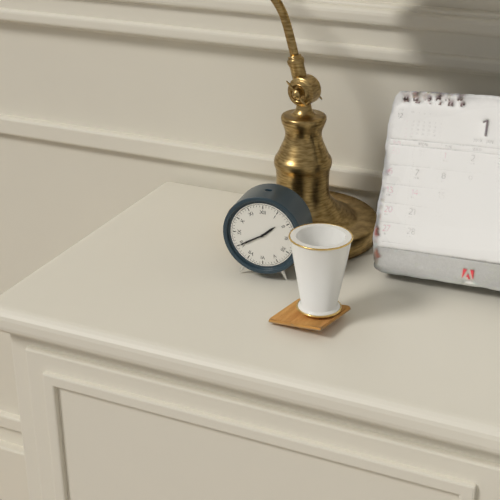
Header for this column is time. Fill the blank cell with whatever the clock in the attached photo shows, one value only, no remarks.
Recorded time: 1:40
